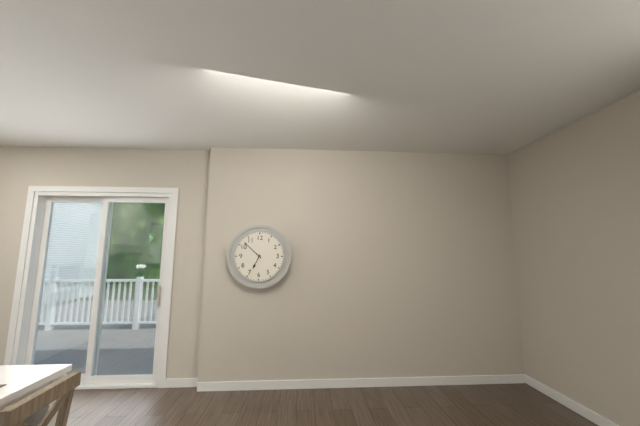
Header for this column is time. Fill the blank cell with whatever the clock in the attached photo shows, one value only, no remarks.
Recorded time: 6:52
